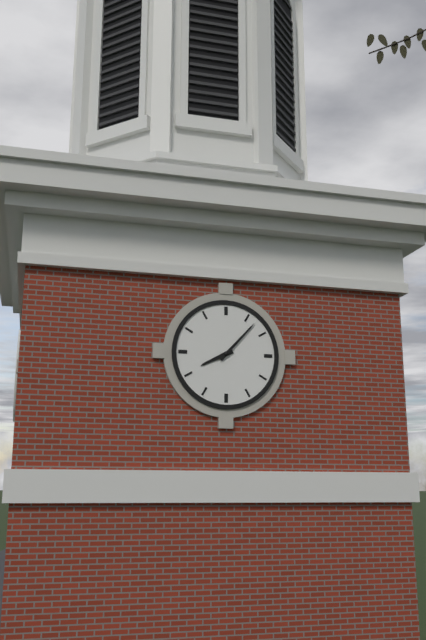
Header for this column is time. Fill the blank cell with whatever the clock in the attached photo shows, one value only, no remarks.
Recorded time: 8:07
